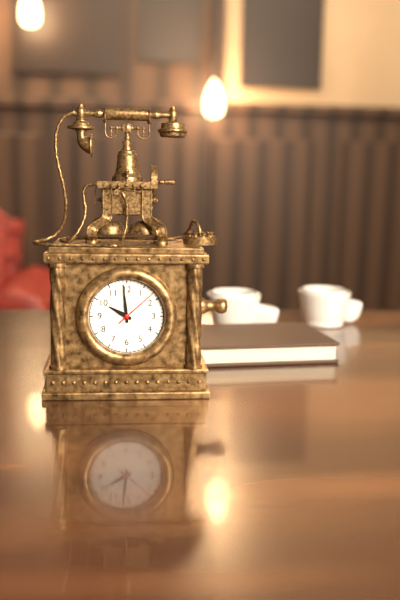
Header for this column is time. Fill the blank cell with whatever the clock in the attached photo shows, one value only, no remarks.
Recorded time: 9:59
